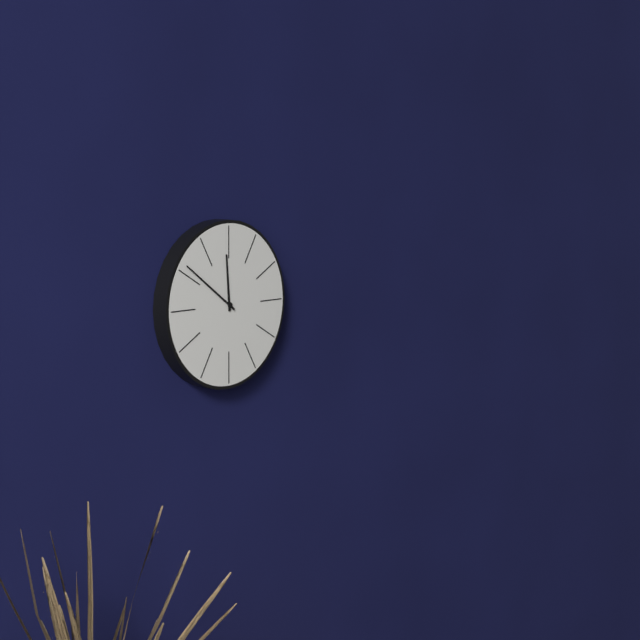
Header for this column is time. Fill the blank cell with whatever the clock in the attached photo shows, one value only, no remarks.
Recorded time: 11:51
